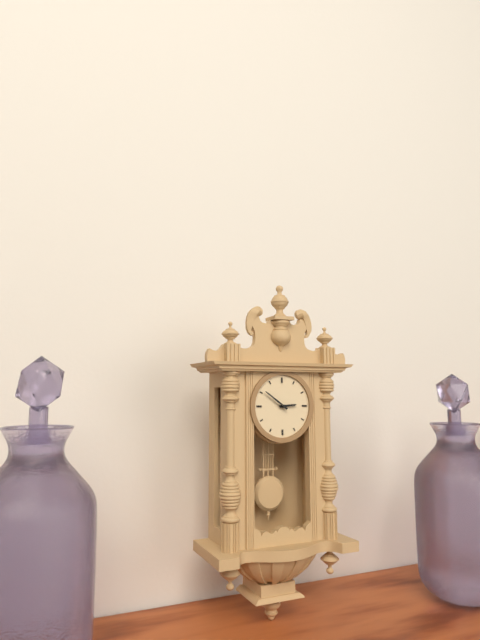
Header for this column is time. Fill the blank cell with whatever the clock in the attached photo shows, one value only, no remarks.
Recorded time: 2:51
